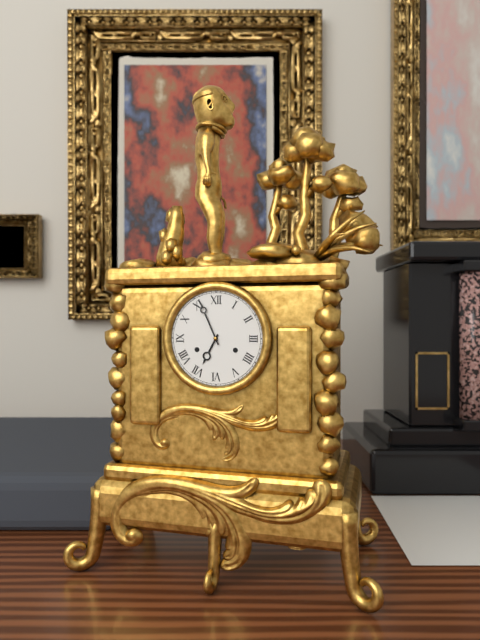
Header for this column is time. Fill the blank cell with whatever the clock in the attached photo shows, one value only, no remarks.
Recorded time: 6:56
